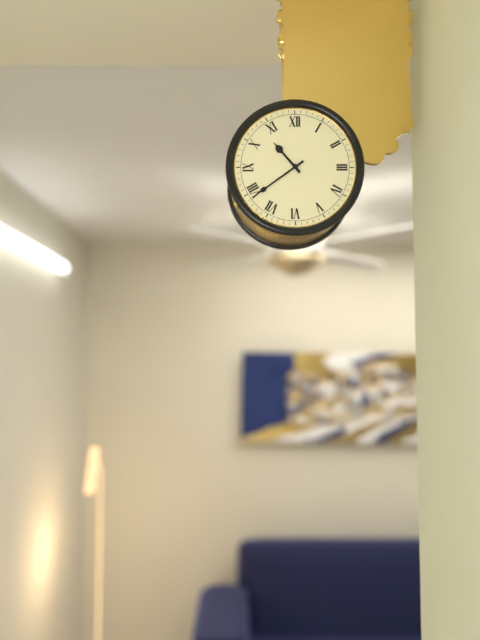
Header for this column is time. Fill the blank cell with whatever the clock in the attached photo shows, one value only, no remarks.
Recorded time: 10:39
